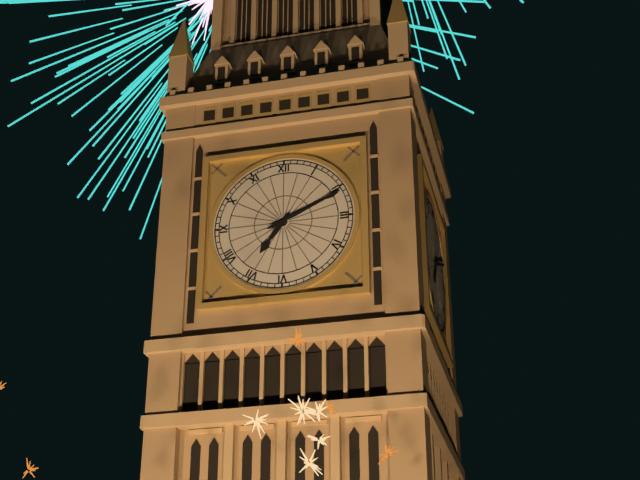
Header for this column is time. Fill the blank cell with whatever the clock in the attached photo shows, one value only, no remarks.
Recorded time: 7:11
